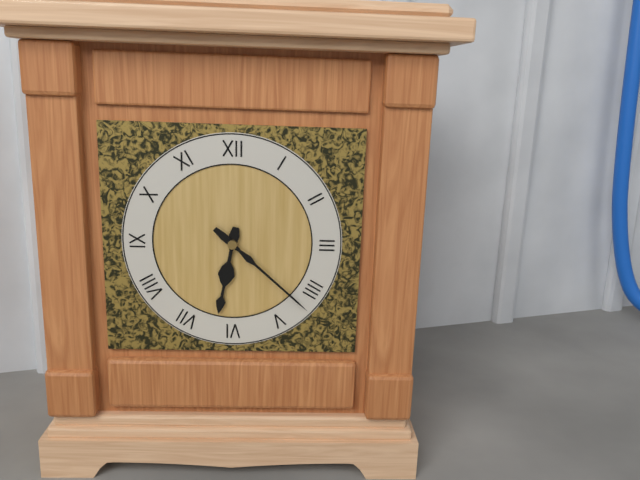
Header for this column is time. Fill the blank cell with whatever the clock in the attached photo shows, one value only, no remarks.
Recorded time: 6:22
